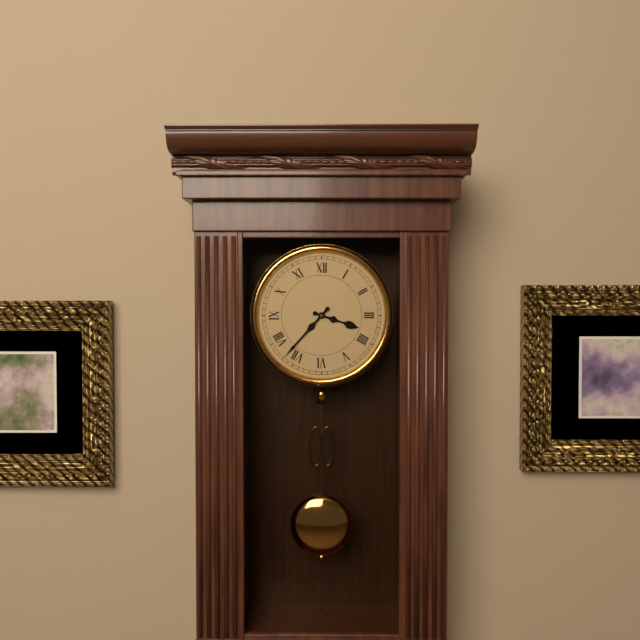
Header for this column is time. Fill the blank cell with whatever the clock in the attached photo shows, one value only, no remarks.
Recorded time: 3:37
